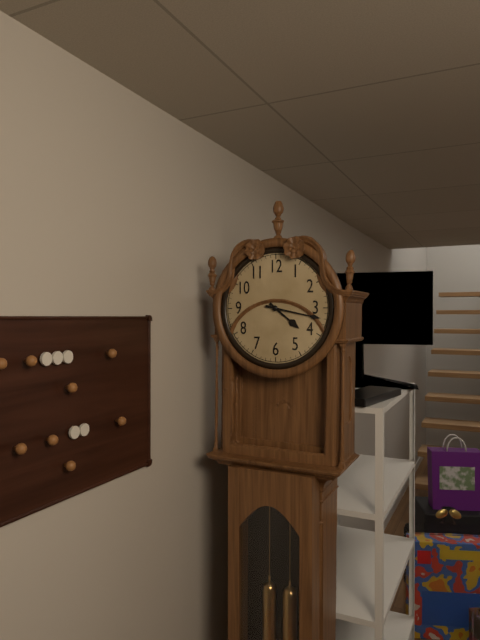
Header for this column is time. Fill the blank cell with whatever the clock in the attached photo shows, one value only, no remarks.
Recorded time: 4:17
